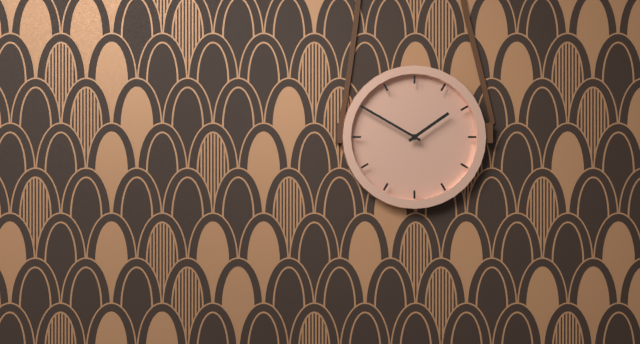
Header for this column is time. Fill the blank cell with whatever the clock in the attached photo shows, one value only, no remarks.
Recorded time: 1:50
